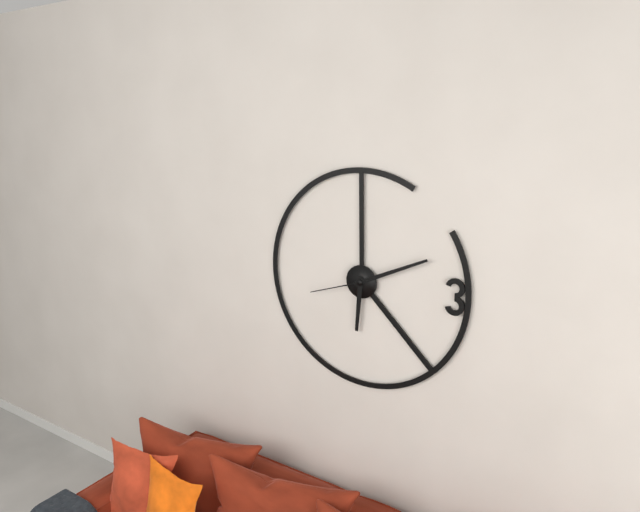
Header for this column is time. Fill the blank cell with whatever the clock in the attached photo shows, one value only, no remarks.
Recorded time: 6:11:42
